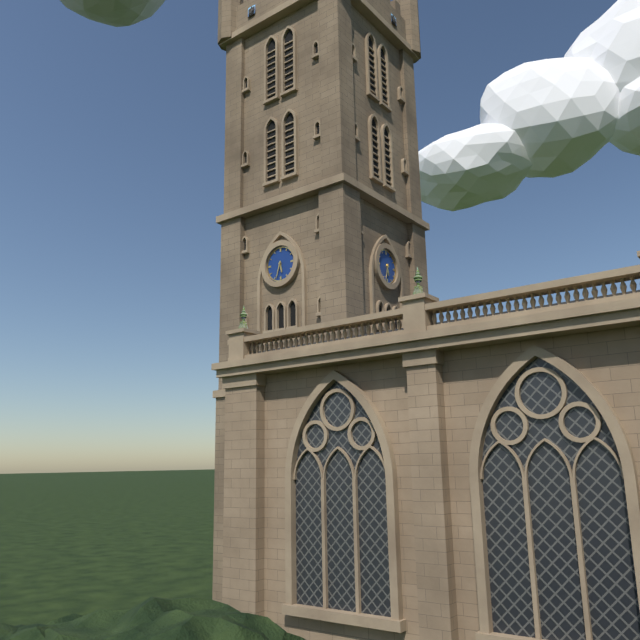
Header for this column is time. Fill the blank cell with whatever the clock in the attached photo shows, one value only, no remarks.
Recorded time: 5:33
